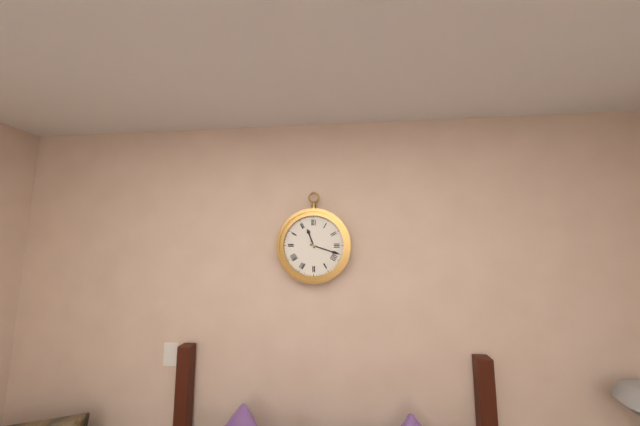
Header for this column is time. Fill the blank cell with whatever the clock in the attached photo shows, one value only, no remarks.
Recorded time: 11:18
